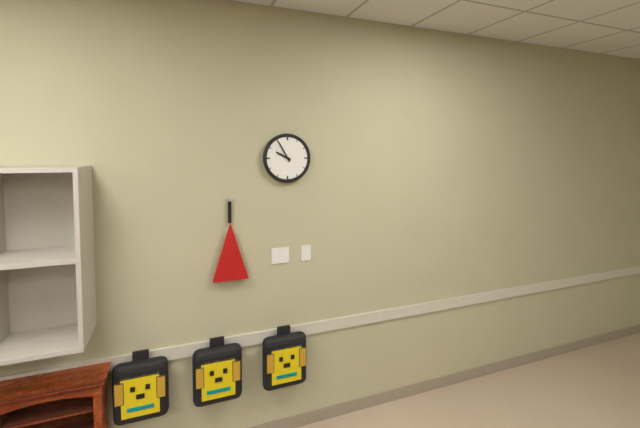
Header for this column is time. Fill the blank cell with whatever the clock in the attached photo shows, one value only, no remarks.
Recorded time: 9:55
